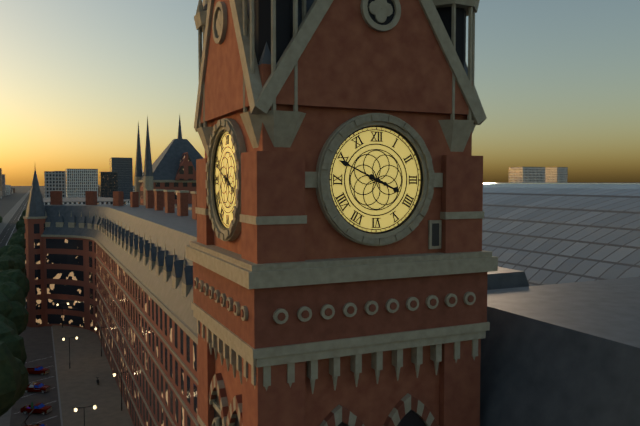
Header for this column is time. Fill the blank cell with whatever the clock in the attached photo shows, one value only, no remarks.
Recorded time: 3:49
